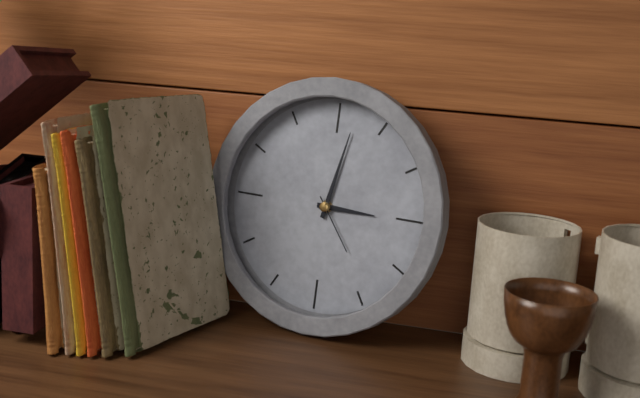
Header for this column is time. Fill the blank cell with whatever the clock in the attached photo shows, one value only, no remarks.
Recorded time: 3:02:24
